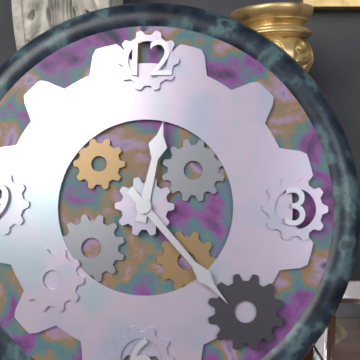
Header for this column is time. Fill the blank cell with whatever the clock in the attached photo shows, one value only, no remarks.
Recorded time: 12:23
